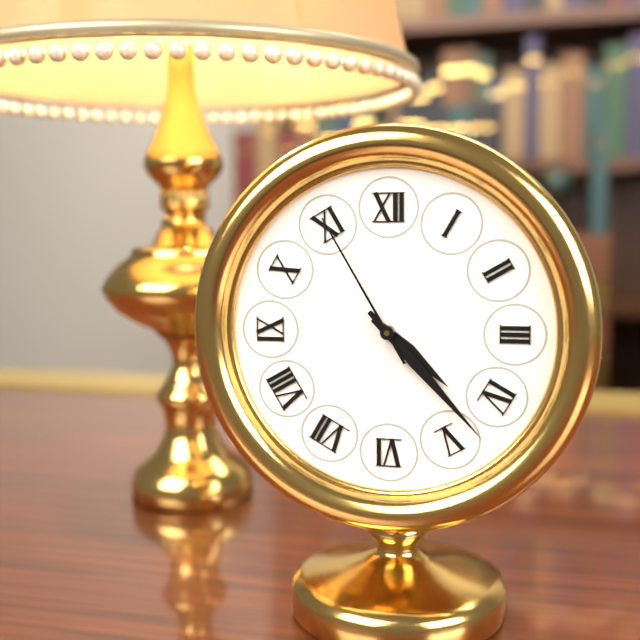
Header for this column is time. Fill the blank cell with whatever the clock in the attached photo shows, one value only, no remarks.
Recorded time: 4:23:55
